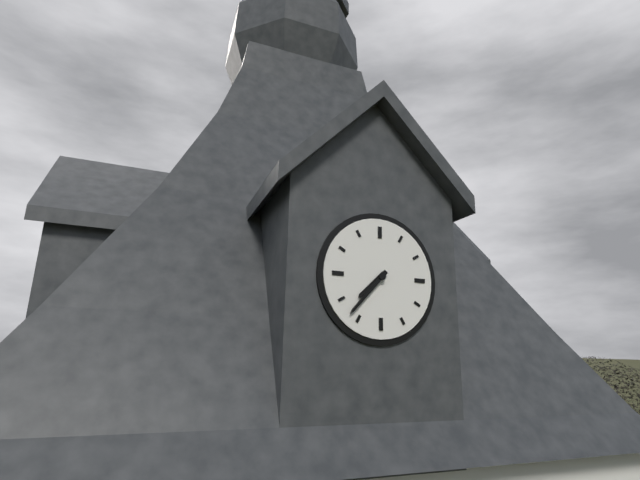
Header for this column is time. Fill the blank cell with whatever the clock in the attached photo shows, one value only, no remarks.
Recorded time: 7:37
